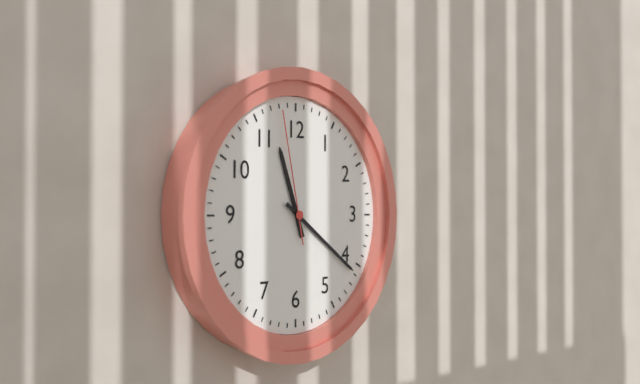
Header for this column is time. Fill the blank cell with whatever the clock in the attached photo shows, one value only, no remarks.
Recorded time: 11:21:58
